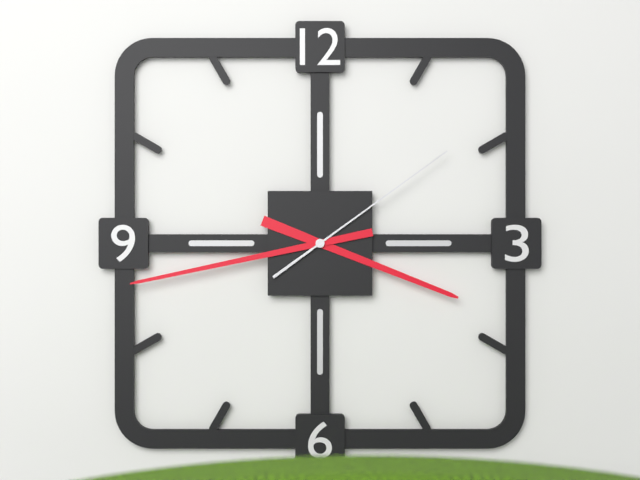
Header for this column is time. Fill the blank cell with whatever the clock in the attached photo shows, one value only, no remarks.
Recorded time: 3:43:09
